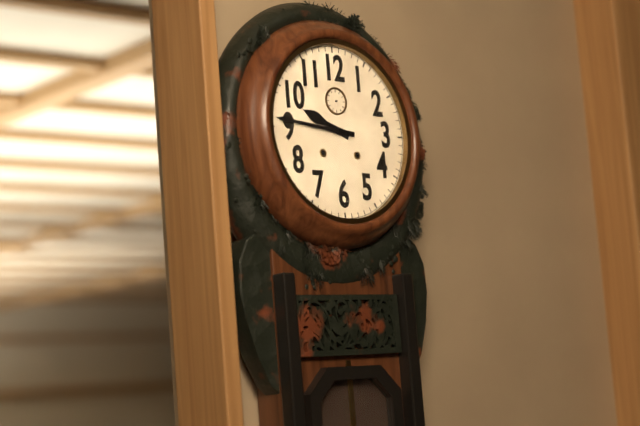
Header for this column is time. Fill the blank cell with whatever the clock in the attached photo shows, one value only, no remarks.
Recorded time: 9:46
